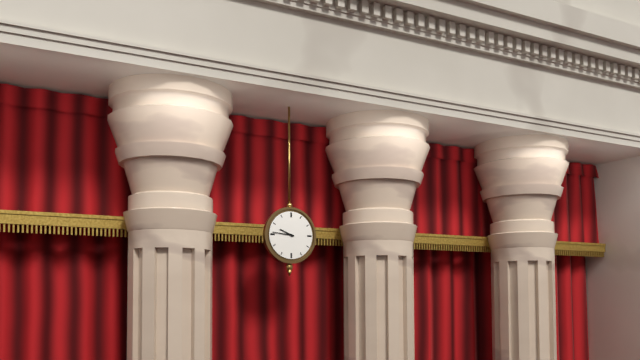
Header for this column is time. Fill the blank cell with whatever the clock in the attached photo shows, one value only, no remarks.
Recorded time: 9:46
